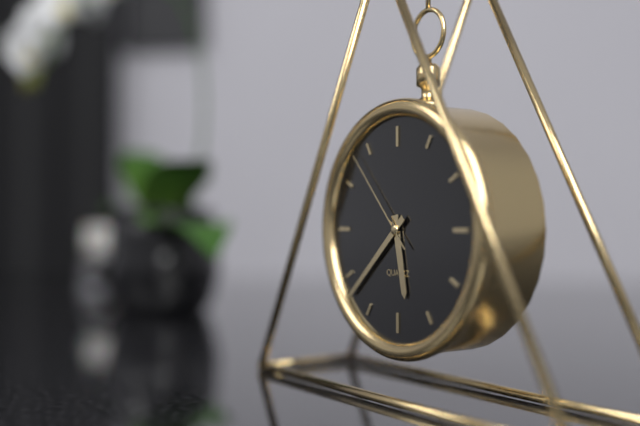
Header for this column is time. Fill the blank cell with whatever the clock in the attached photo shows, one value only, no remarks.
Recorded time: 5:38:53
